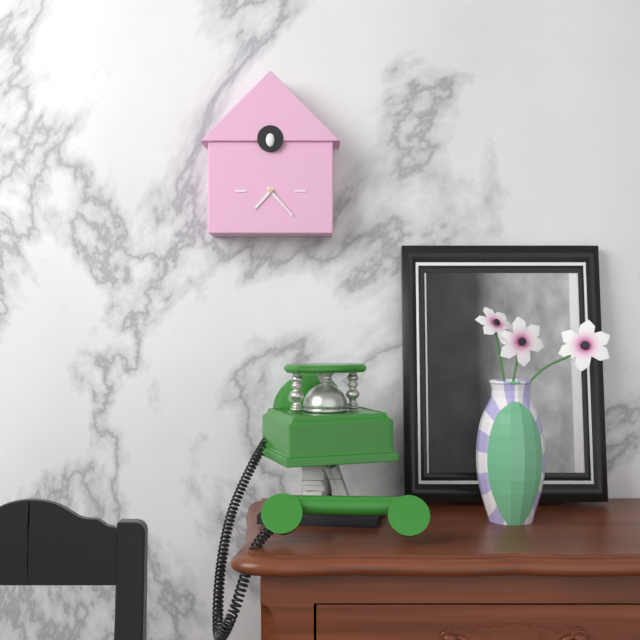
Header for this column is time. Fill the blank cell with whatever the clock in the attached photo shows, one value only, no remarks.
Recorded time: 7:23
